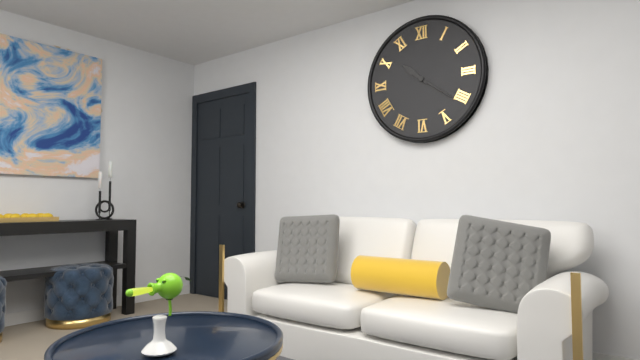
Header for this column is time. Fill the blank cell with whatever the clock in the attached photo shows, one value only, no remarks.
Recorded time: 10:21
